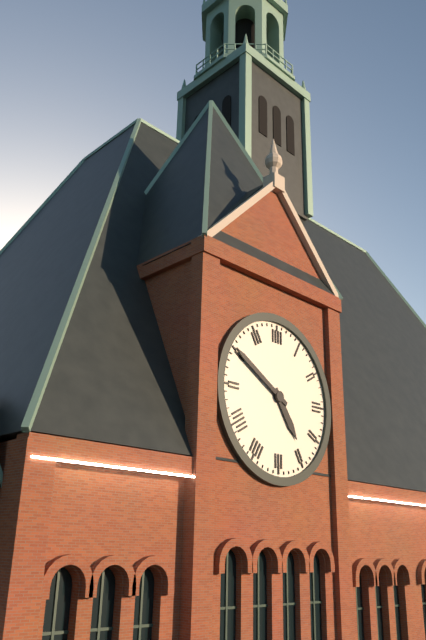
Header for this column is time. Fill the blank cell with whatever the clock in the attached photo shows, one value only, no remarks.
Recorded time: 4:50
